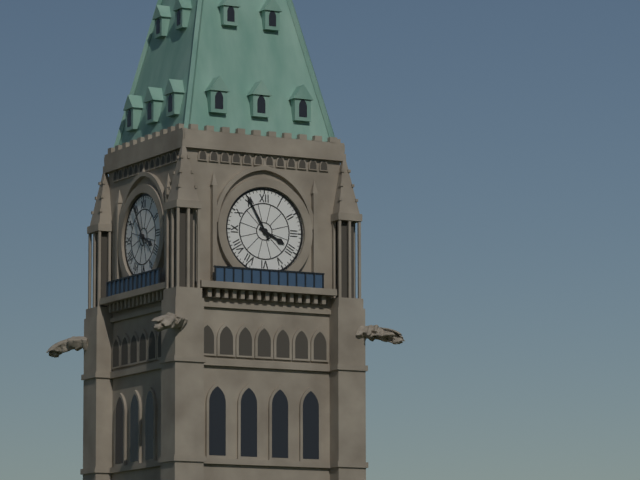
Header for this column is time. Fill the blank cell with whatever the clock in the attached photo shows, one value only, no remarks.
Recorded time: 3:55
